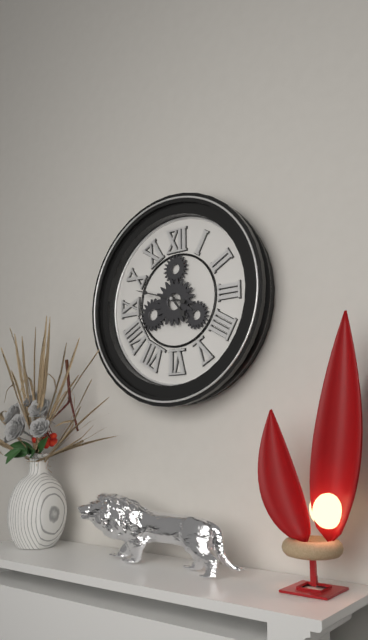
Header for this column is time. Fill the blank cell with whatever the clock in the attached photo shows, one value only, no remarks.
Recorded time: 4:48
